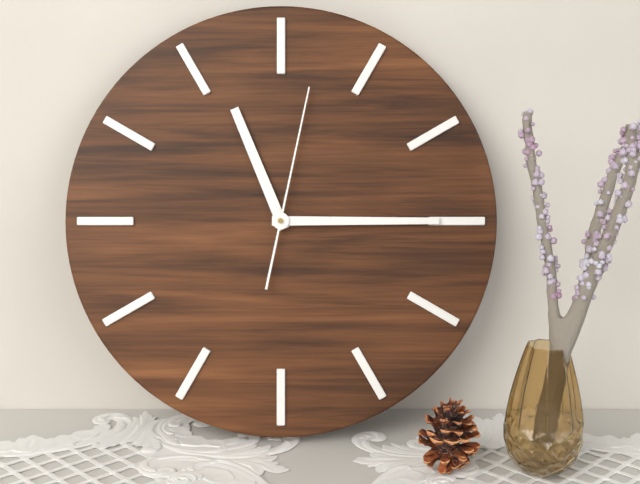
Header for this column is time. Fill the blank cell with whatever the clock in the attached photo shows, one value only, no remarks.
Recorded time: 11:15:02
